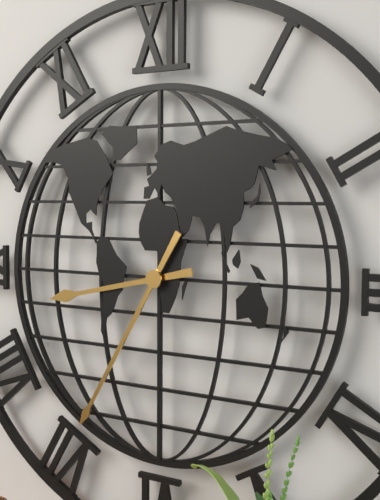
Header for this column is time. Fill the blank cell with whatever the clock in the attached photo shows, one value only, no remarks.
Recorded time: 8:35
